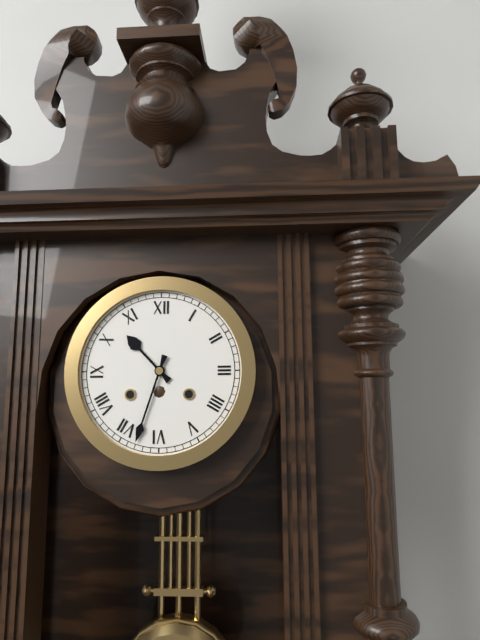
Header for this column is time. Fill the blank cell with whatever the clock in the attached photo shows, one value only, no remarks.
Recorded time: 10:33
